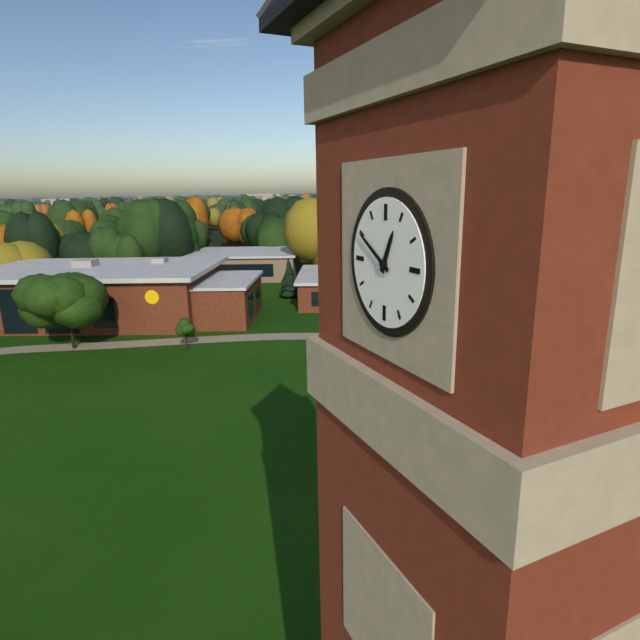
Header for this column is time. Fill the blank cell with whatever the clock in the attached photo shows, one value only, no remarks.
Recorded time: 12:50
